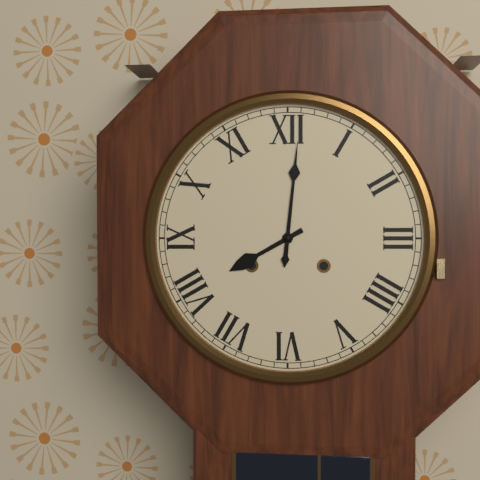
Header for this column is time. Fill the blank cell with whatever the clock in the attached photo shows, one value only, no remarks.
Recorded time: 8:01
